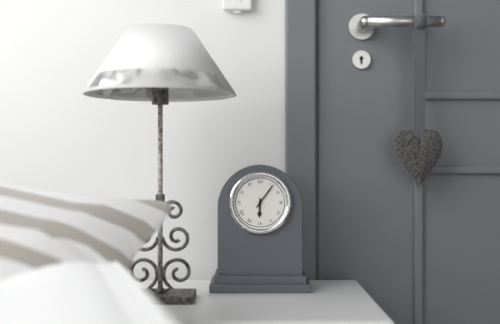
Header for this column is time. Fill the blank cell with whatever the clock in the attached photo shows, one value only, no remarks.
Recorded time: 6:06
